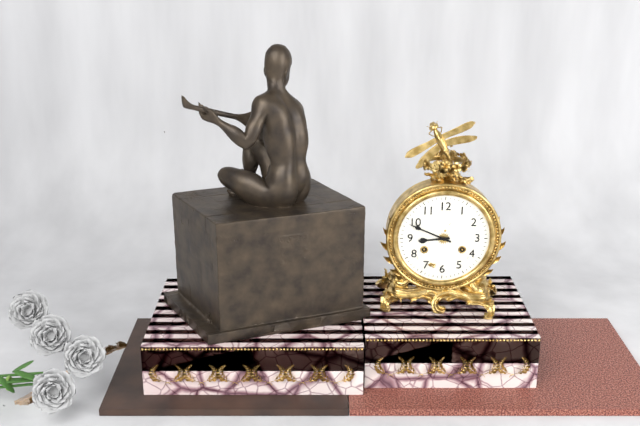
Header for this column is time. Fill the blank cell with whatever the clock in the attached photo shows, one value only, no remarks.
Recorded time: 8:49
